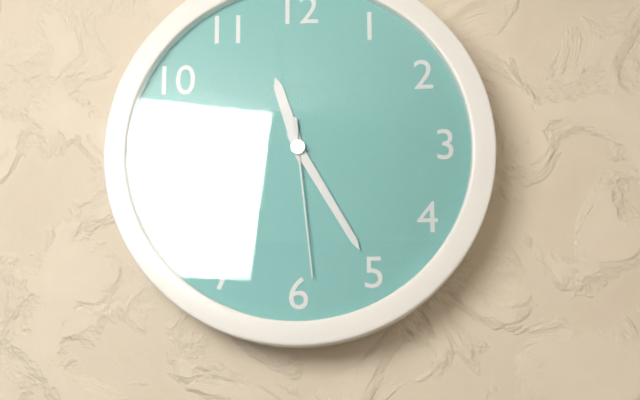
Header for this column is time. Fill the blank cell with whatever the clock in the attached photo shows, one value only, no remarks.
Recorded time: 11:25:29
